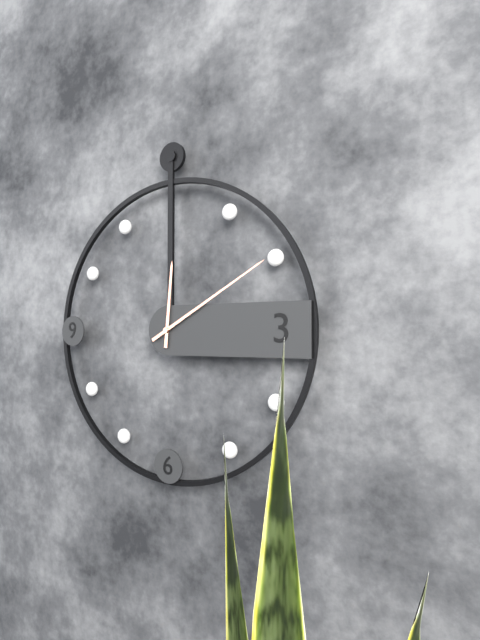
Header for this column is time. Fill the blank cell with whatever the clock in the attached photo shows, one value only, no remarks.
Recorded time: 12:10
